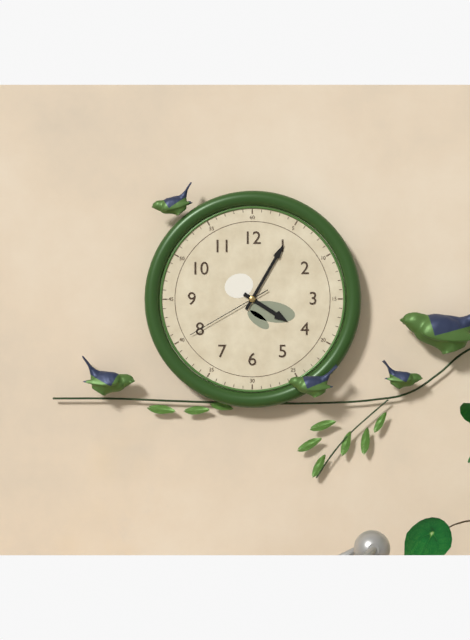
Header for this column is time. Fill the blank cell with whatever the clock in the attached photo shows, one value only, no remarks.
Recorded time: 4:05:40
